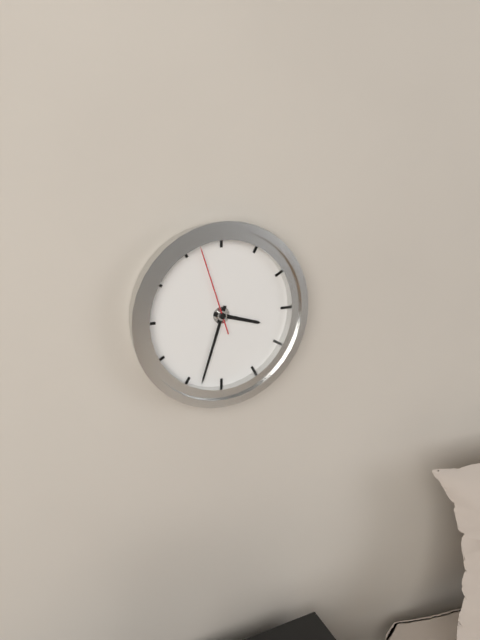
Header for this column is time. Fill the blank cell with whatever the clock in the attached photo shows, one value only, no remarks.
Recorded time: 3:33:57
